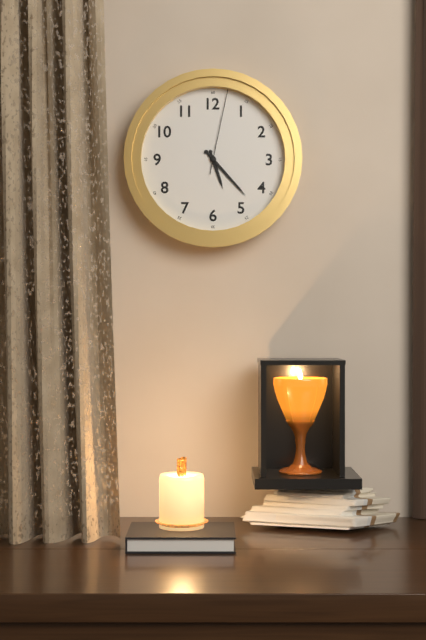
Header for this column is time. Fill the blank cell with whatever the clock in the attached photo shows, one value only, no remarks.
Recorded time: 5:23:02
